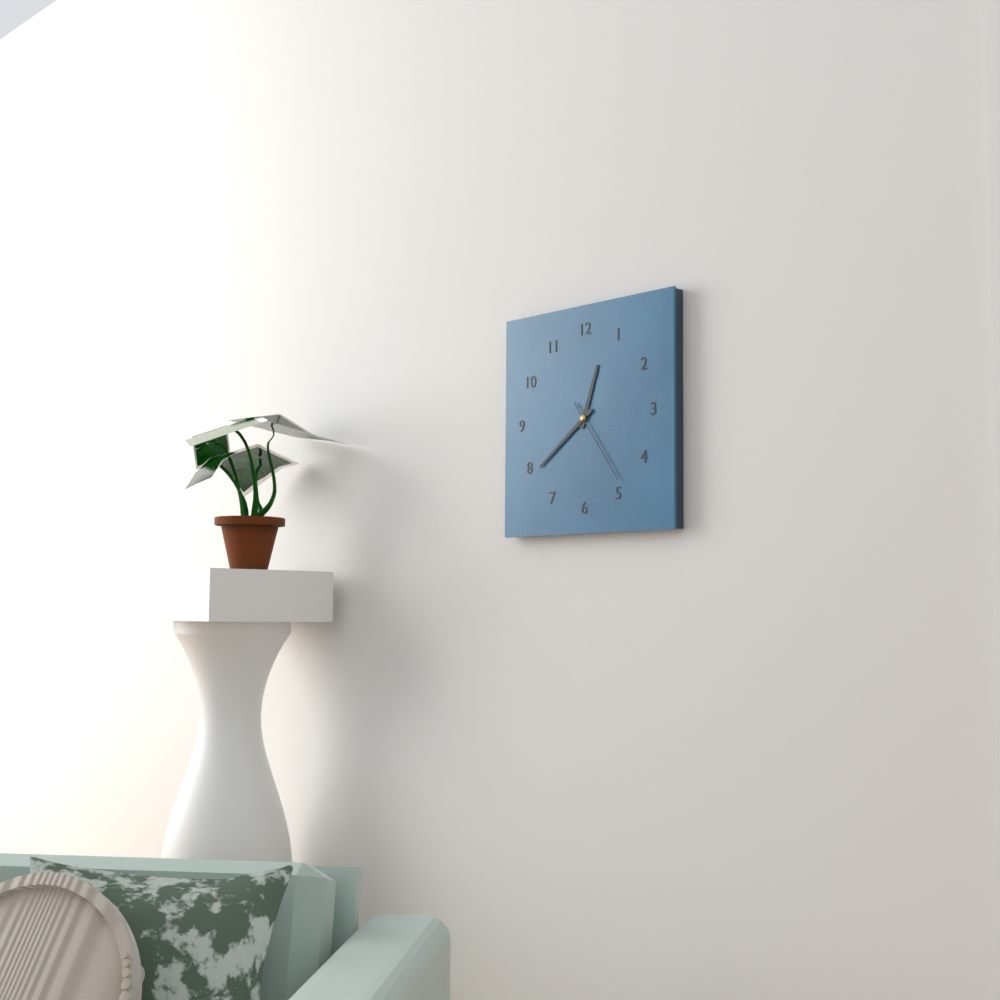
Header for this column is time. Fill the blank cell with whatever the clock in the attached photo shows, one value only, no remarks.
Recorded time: 12:39:24
